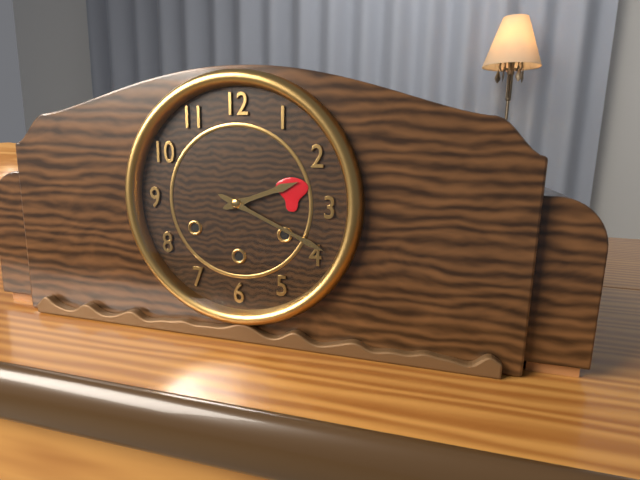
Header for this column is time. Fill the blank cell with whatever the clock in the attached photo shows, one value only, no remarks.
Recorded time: 2:19
